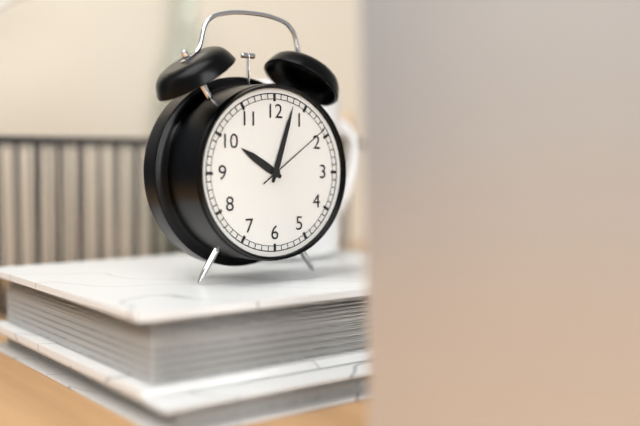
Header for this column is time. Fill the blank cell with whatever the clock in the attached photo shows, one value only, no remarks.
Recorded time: 10:03:09
